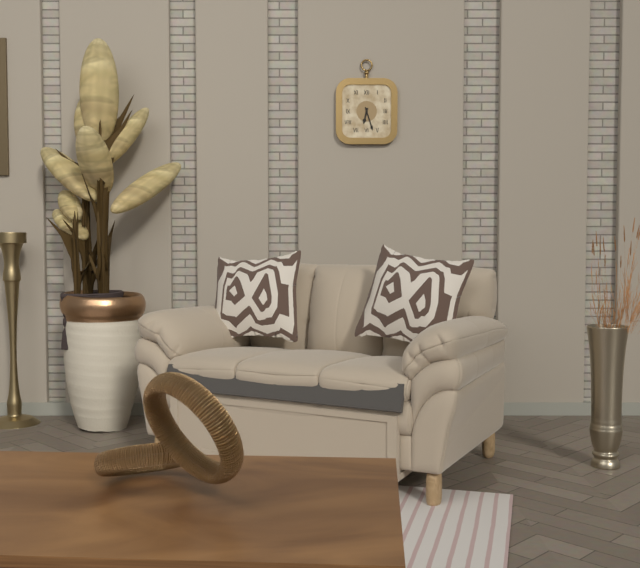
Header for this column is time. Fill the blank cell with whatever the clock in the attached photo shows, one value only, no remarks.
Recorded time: 6:27
